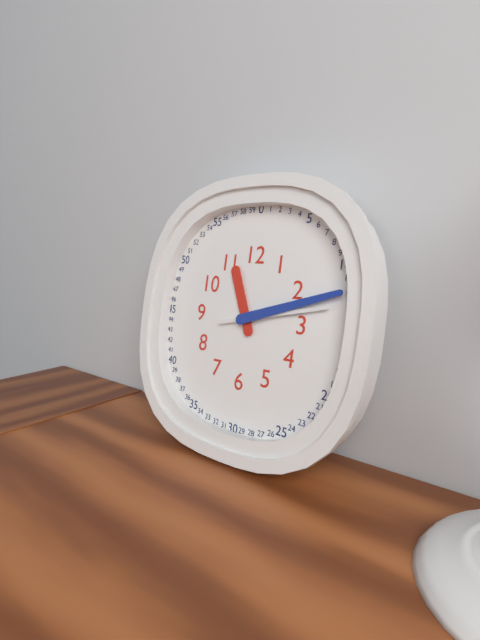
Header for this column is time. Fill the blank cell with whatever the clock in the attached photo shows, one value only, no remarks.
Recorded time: 11:12:13
